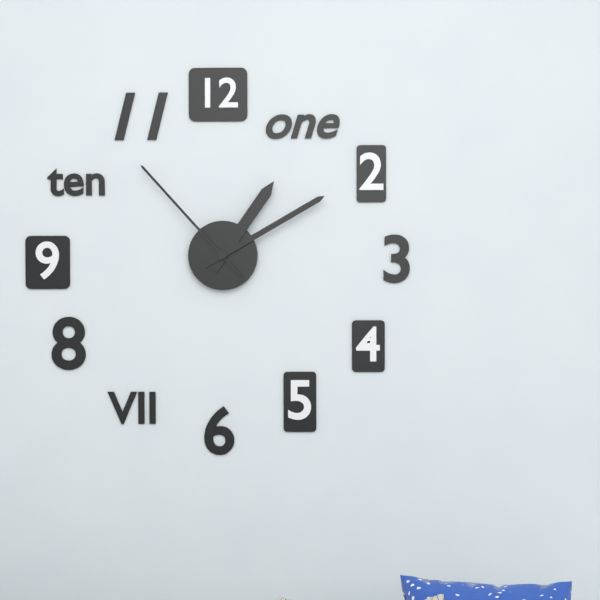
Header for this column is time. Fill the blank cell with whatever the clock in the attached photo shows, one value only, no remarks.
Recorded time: 1:10:53
